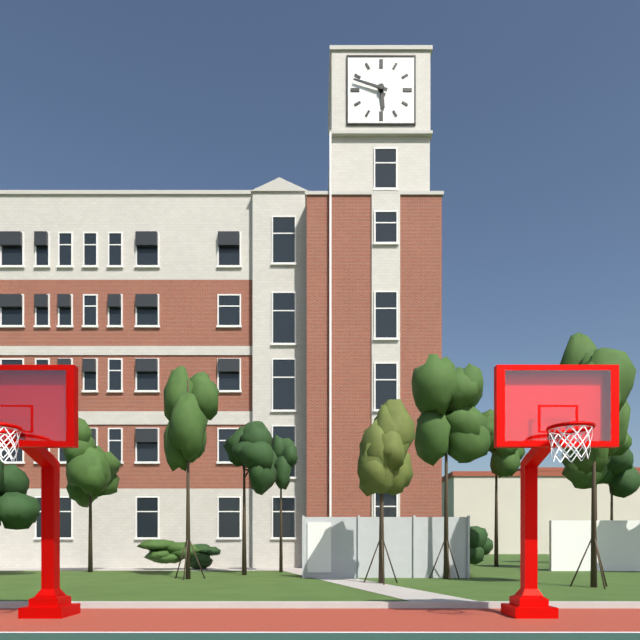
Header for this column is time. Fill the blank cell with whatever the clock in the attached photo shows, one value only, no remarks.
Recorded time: 5:48
